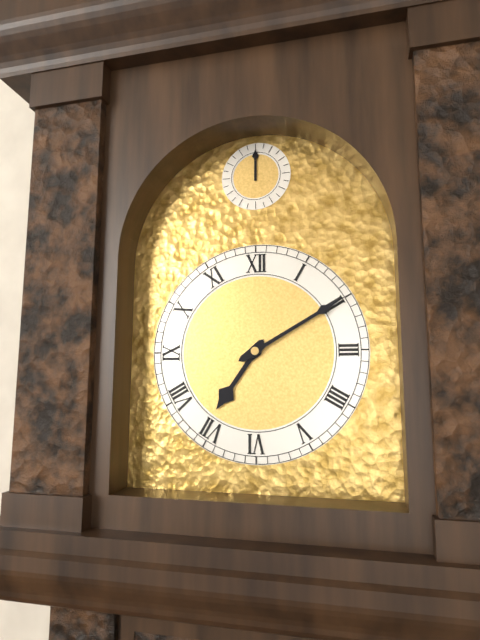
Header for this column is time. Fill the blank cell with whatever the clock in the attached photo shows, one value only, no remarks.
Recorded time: 7:10
